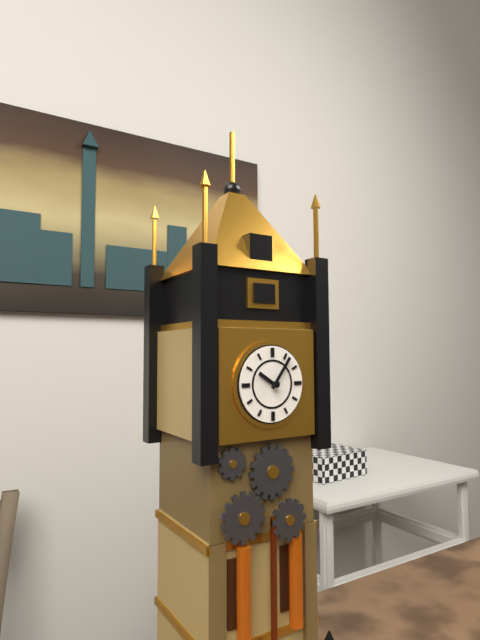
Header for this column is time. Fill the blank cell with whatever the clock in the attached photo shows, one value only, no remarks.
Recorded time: 10:06
